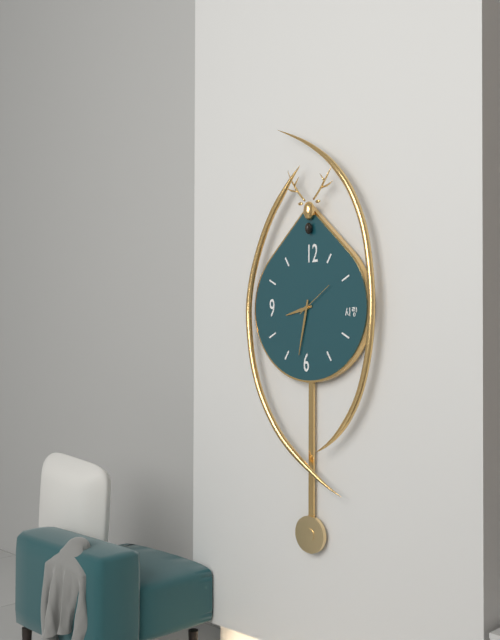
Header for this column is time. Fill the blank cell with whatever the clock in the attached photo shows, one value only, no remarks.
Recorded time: 8:32
